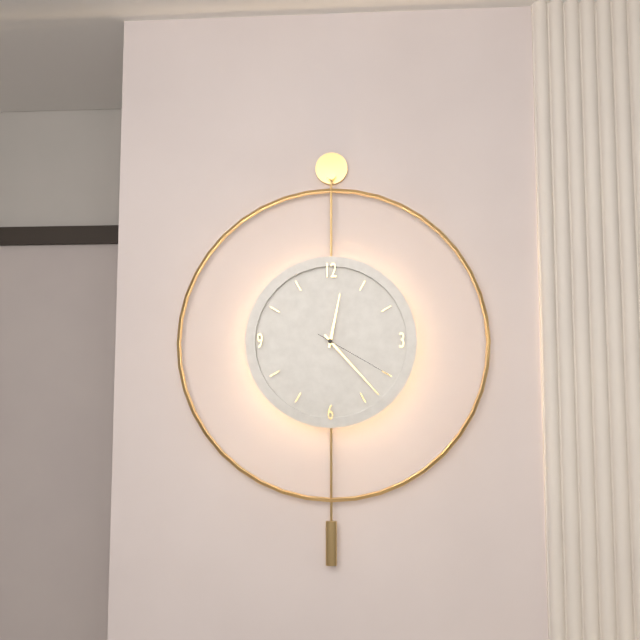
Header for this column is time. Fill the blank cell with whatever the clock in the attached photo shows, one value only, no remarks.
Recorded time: 12:23:20
